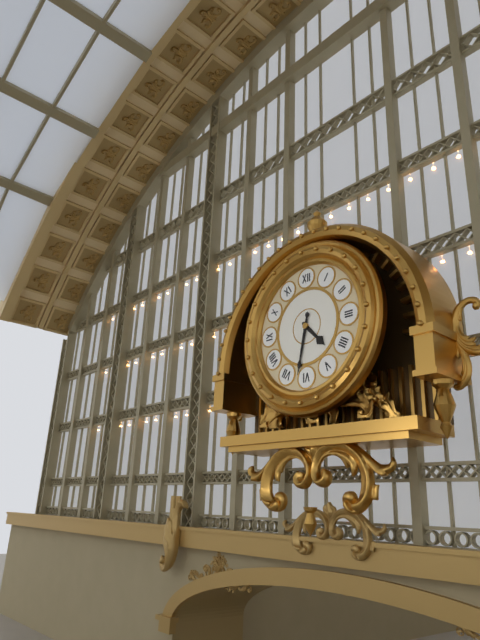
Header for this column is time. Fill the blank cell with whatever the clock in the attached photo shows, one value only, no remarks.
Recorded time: 4:32
